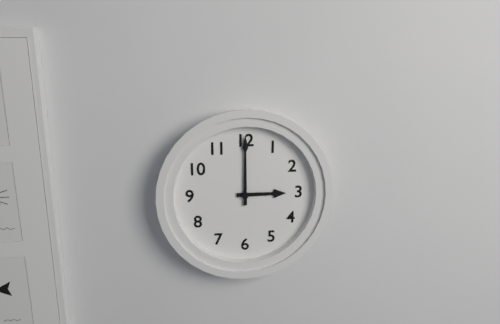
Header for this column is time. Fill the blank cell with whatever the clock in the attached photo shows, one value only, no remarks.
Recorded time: 3:00
